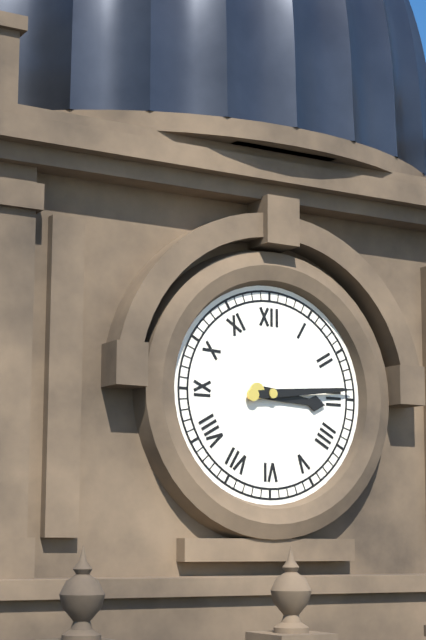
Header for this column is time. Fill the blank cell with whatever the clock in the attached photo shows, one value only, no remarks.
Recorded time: 3:14
